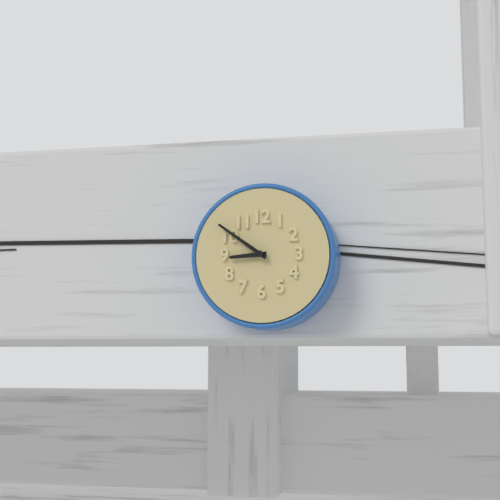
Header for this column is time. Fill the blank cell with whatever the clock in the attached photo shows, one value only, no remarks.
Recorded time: 8:51
